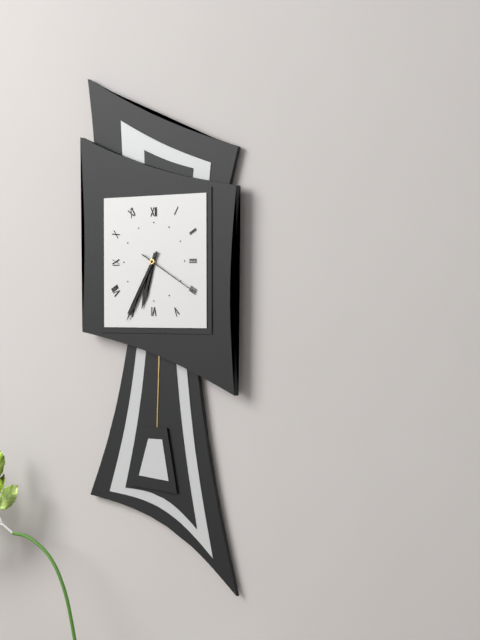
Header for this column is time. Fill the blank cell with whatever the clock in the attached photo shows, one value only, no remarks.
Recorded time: 6:35:20
